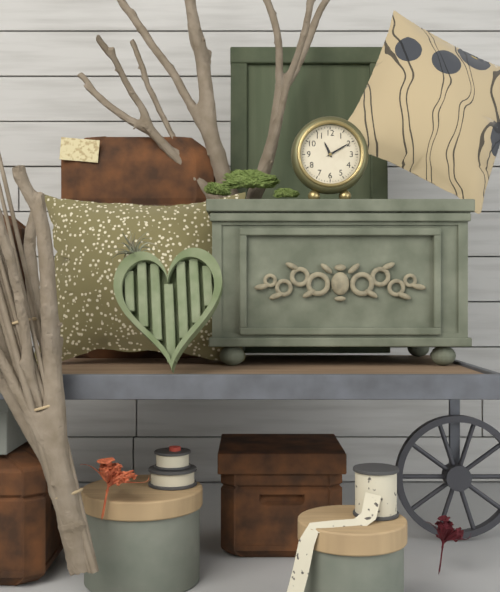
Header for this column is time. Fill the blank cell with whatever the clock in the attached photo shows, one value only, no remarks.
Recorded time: 11:10
